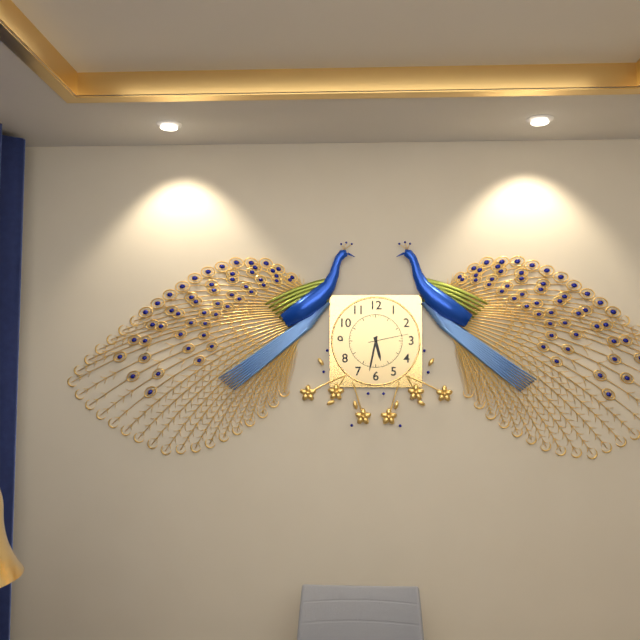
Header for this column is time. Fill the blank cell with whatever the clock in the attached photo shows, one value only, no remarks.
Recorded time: 5:32
